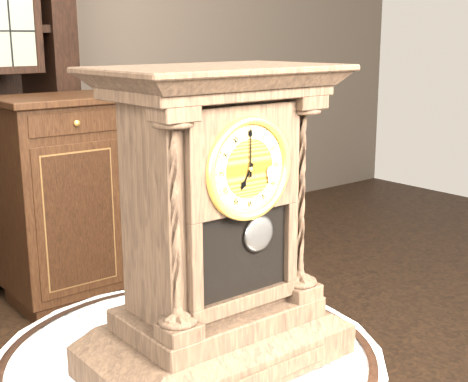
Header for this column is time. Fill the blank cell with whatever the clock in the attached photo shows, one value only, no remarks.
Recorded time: 7:00
